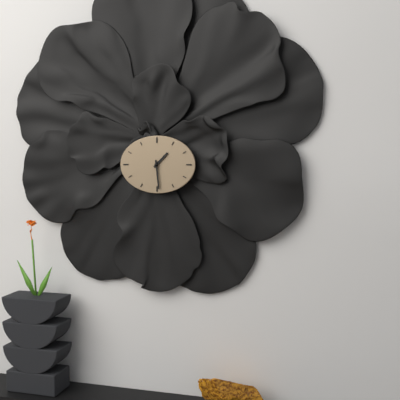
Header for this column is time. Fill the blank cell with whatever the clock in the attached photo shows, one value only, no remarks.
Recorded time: 1:29
